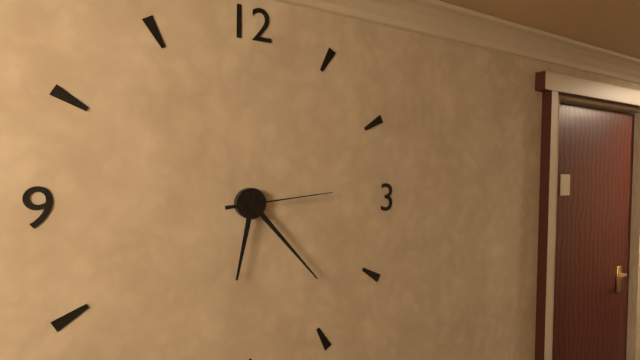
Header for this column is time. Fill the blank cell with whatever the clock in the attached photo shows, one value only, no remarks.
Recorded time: 6:23:14
